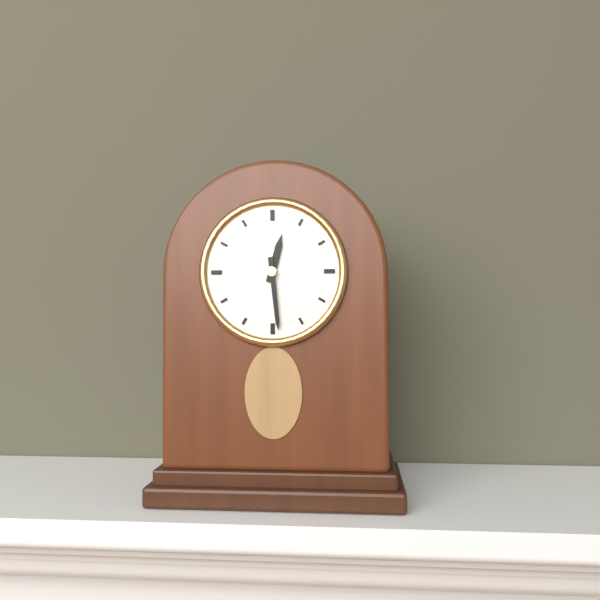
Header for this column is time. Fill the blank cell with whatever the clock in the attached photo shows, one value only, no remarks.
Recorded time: 12:29
